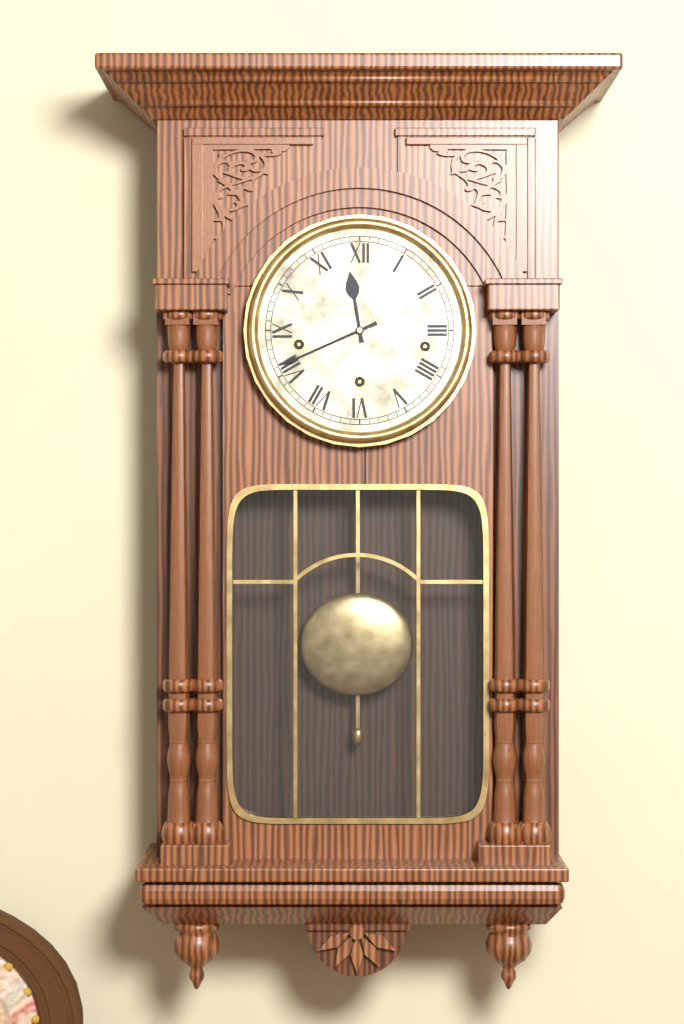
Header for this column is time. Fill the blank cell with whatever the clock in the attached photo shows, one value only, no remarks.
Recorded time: 11:41
